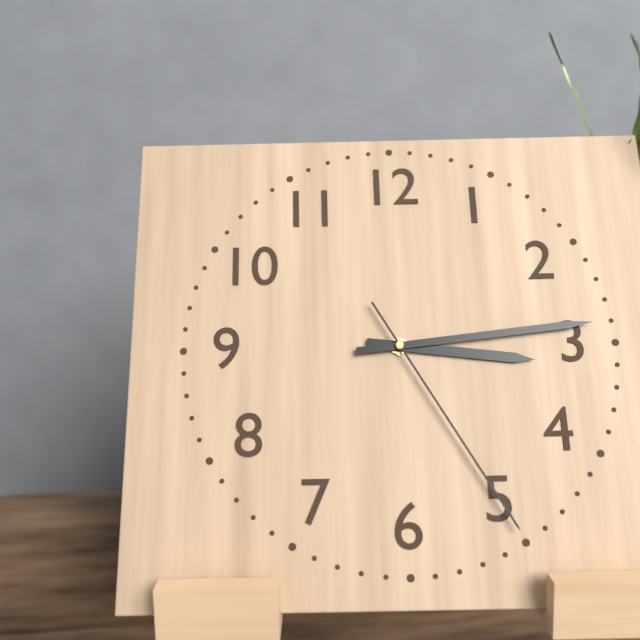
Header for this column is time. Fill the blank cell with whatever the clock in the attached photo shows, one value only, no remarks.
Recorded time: 3:14:25
